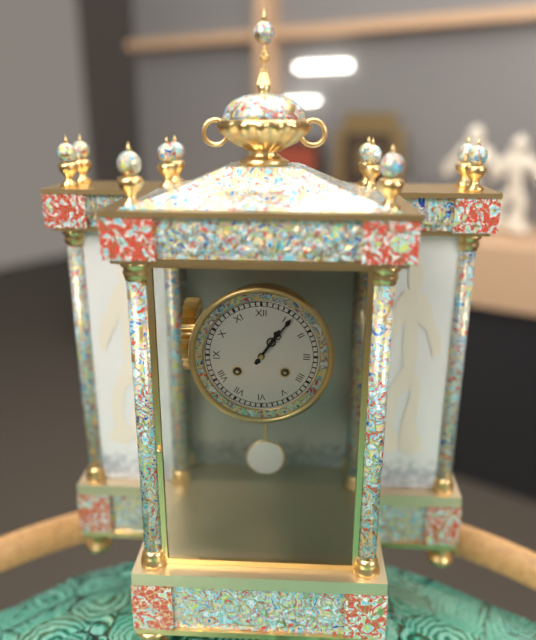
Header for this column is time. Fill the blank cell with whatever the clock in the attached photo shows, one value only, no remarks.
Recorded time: 1:06
